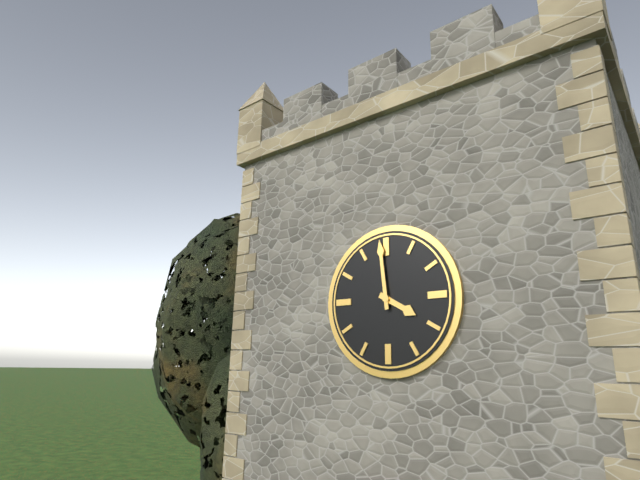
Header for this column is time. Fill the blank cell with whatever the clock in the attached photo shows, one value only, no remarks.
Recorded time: 3:59
